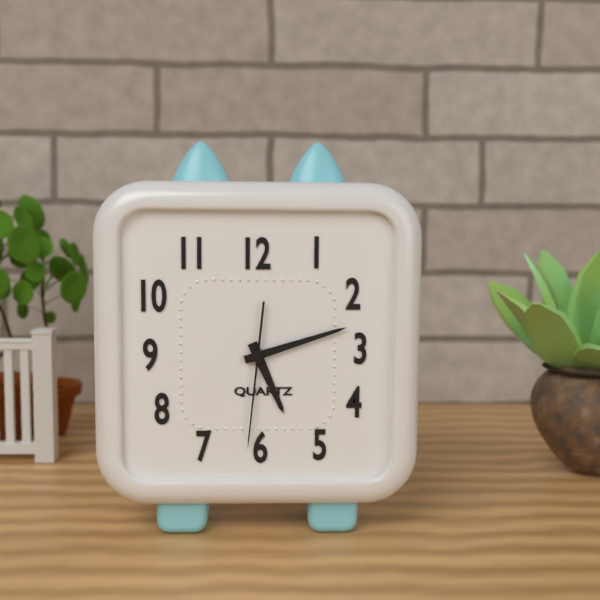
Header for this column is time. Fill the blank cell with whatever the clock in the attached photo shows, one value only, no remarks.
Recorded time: 5:12:31
